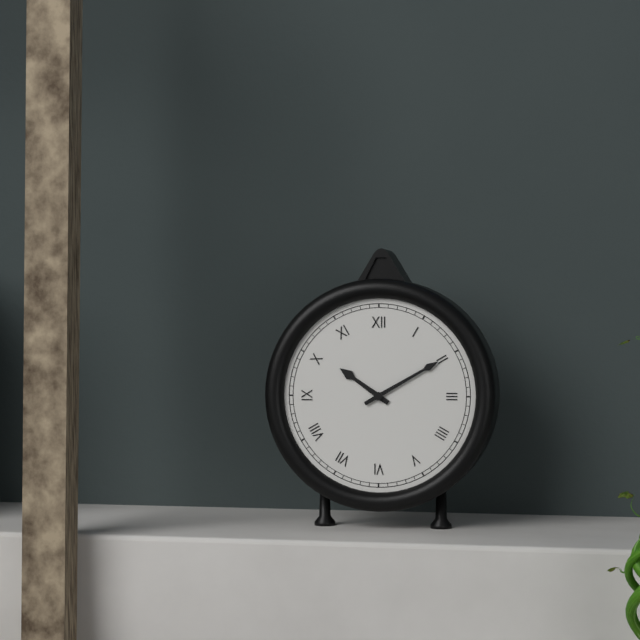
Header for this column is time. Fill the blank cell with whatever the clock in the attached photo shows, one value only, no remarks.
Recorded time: 10:10
